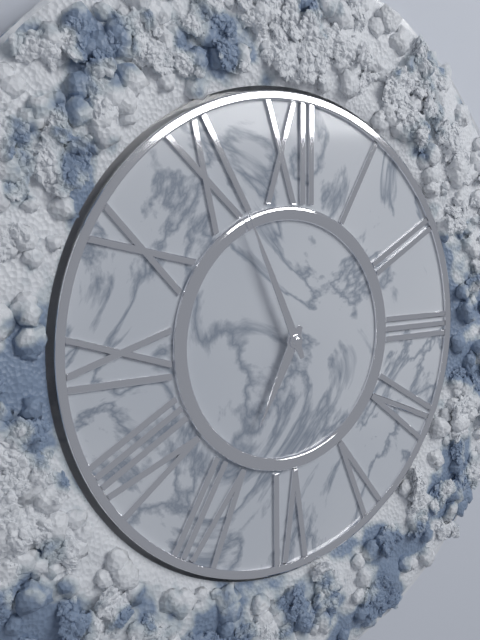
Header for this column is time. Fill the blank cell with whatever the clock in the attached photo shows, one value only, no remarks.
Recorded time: 6:56
